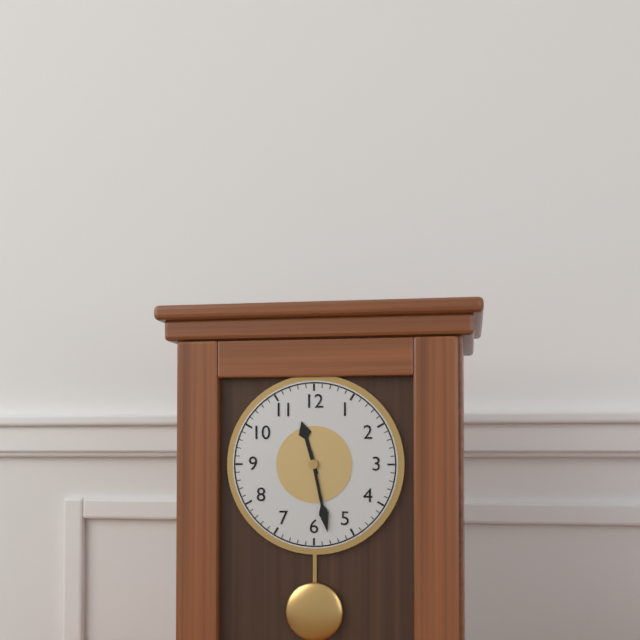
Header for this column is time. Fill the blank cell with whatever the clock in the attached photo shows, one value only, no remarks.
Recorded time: 11:28
